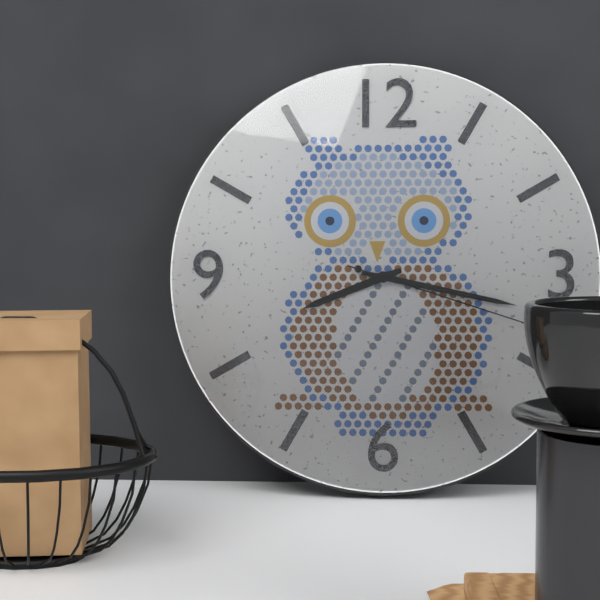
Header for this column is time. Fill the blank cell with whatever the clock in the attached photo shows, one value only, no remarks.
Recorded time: 8:17:18
